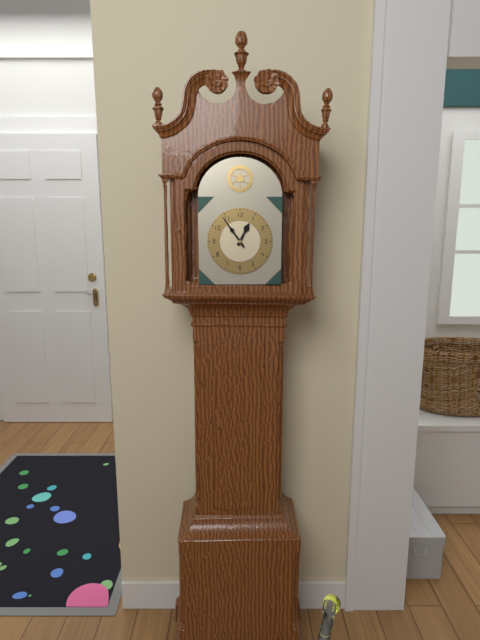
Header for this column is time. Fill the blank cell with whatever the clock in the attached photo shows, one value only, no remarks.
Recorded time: 12:54
